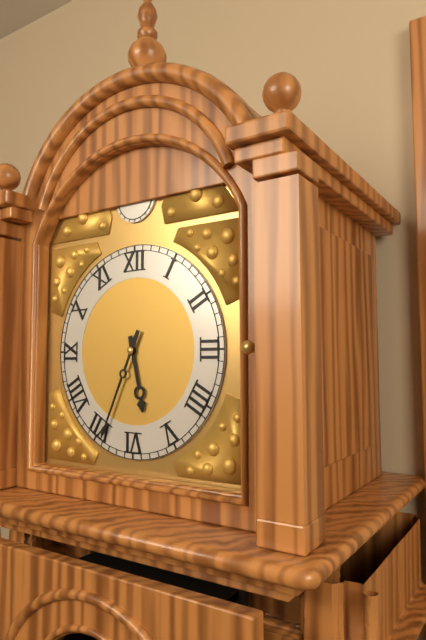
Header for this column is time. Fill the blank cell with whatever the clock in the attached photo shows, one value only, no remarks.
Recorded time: 5:34
